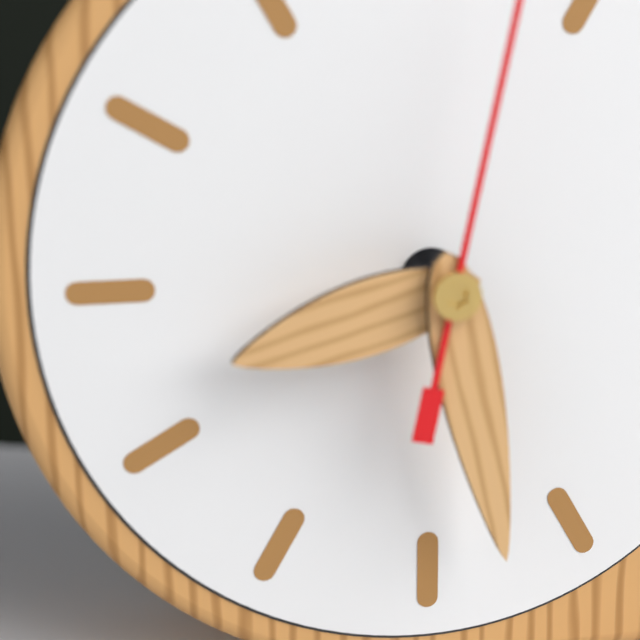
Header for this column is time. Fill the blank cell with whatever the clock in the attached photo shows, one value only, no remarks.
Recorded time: 8:28
